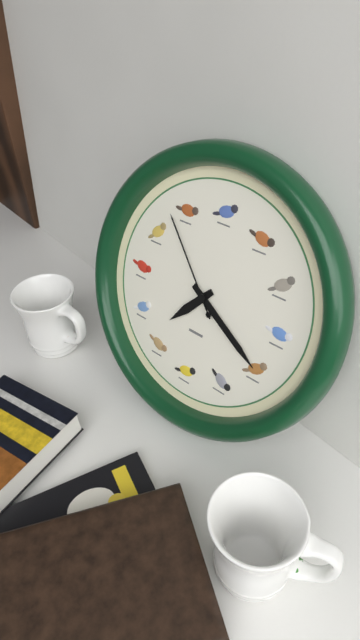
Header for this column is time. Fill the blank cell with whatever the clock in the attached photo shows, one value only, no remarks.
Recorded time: 7:20:53
